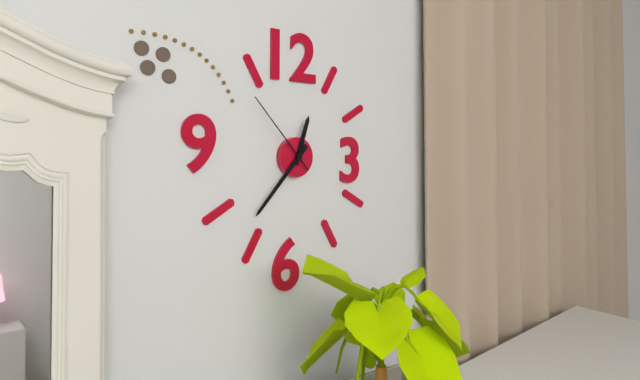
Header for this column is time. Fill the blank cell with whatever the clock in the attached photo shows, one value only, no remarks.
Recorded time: 12:37:53
